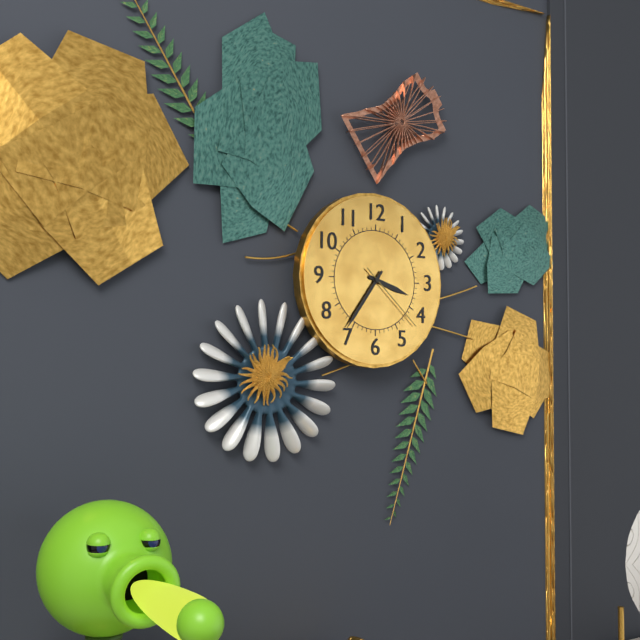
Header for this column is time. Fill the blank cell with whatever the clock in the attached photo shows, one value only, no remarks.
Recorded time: 3:36:22
